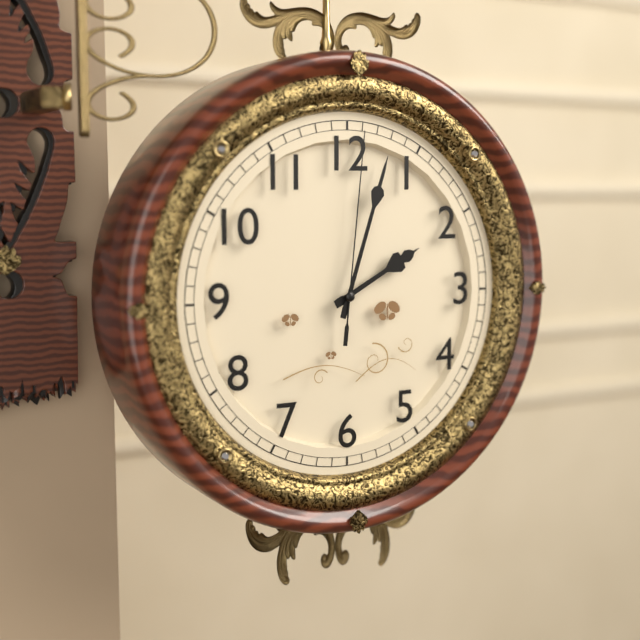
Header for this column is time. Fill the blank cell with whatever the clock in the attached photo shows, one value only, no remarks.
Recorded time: 2:03:01
